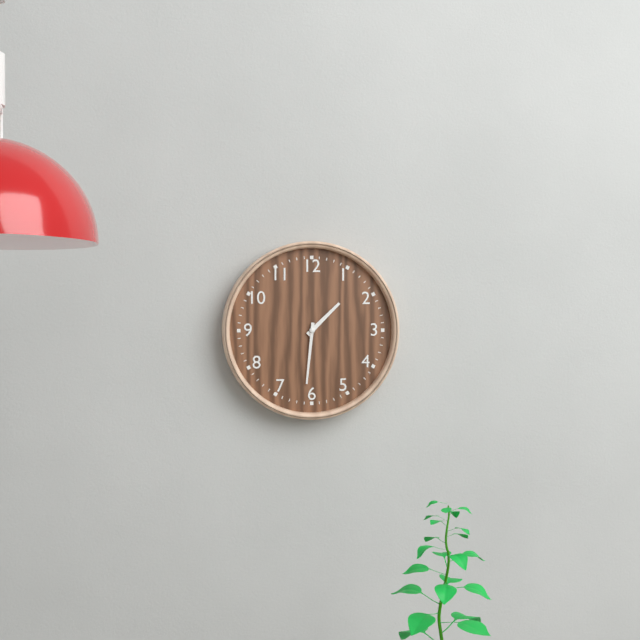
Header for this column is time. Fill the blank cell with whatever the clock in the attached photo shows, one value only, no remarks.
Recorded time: 1:31
